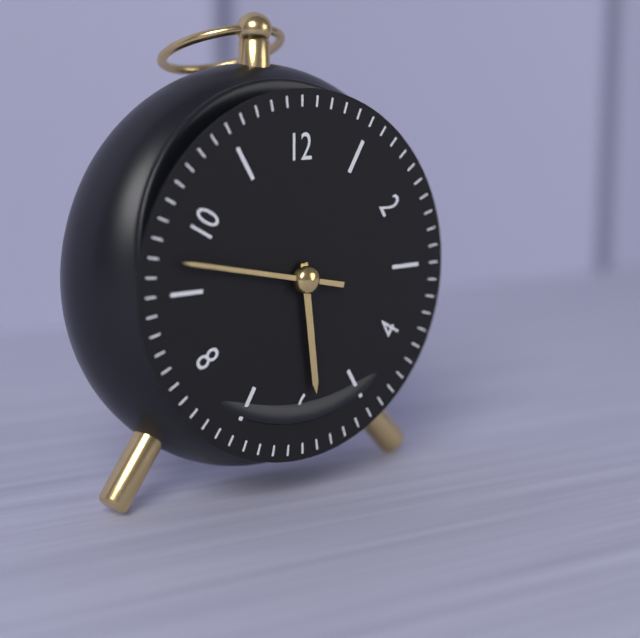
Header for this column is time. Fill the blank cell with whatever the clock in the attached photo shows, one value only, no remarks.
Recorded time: 5:47
